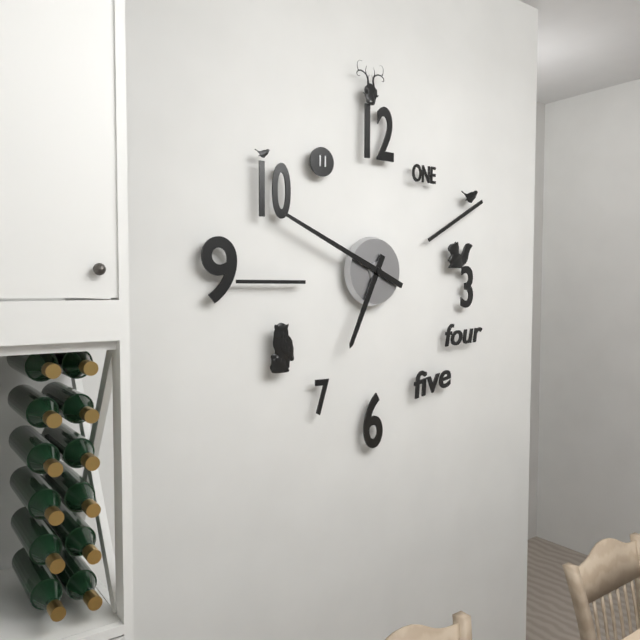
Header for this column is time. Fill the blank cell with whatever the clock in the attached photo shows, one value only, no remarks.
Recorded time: 6:49
